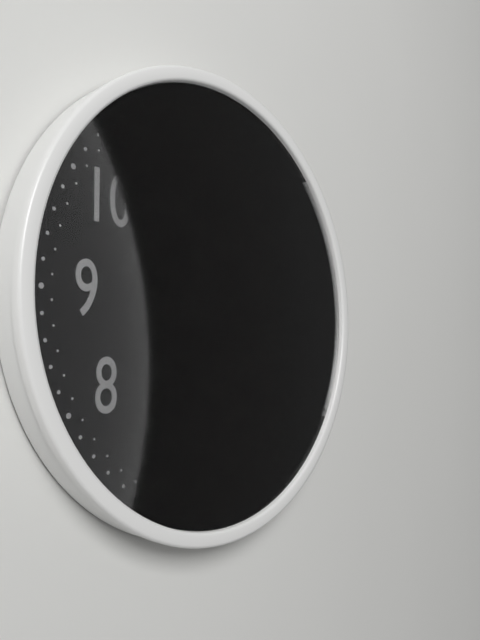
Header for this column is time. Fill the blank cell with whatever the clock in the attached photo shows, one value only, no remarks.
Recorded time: 3:27:51
